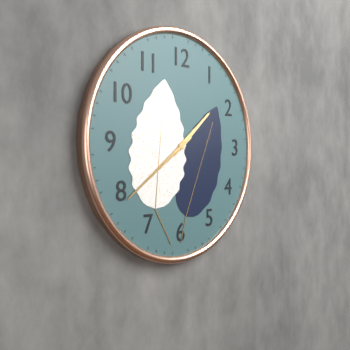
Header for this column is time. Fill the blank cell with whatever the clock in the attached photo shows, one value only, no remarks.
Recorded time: 1:39
